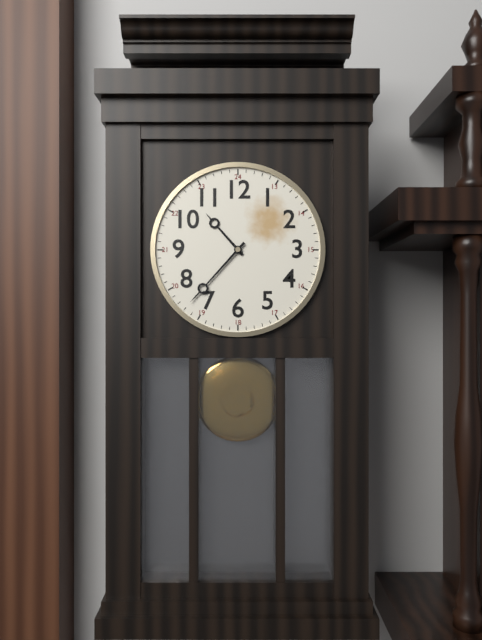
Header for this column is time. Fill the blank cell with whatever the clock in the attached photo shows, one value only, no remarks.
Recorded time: 10:37
